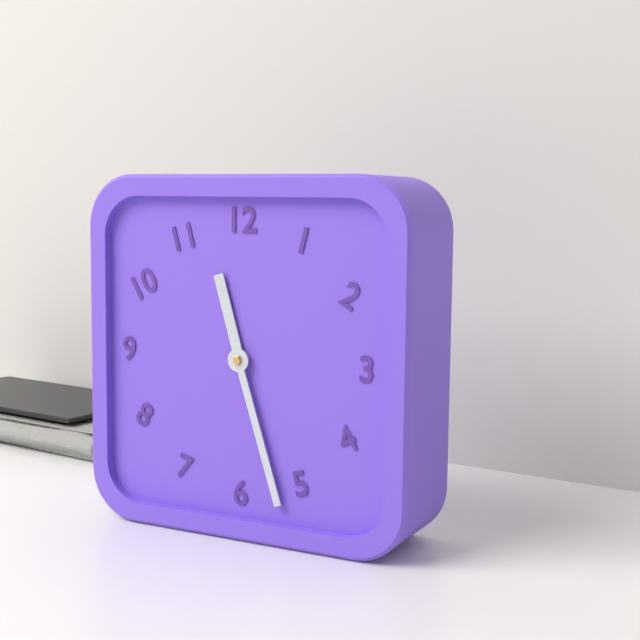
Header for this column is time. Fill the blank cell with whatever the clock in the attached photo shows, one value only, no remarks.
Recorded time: 11:27
